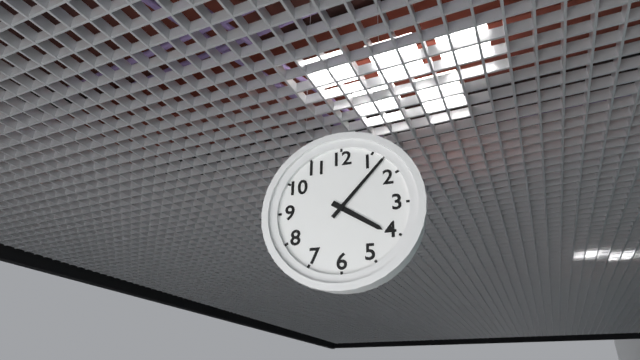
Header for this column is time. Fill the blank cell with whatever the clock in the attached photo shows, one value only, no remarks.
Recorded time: 4:07
